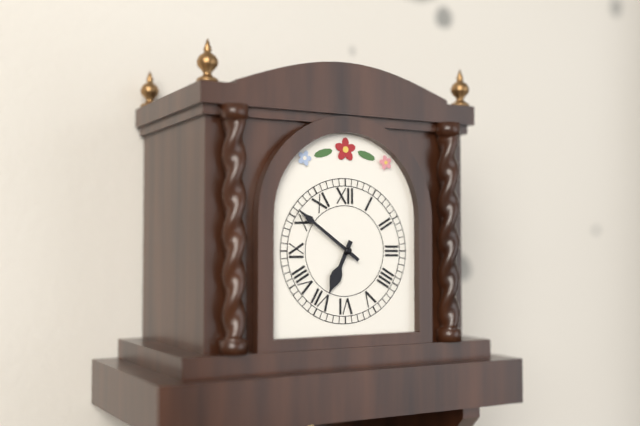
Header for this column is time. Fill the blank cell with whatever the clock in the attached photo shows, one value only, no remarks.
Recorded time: 6:51
